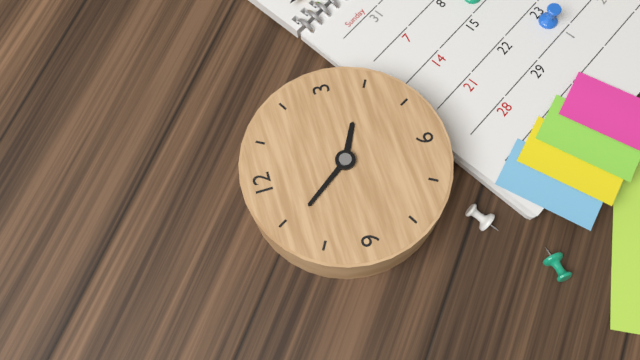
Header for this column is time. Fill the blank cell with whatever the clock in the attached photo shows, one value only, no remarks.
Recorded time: 3:54
